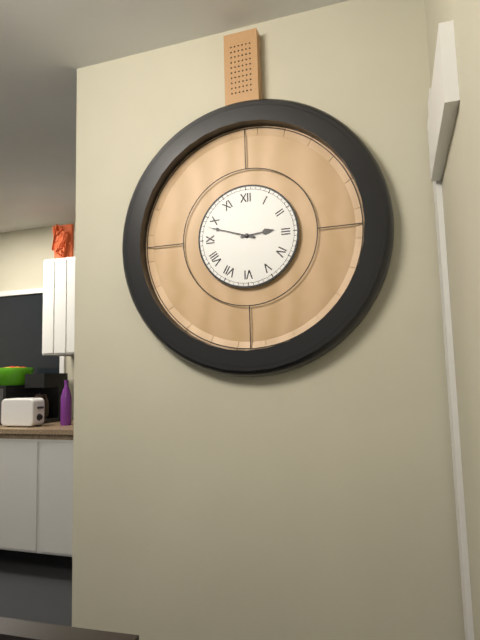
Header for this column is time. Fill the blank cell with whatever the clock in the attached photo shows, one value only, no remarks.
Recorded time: 2:48
